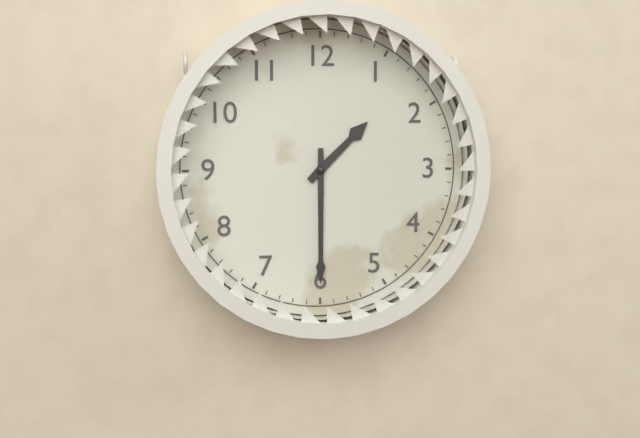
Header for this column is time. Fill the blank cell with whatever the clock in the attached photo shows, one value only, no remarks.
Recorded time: 1:30
